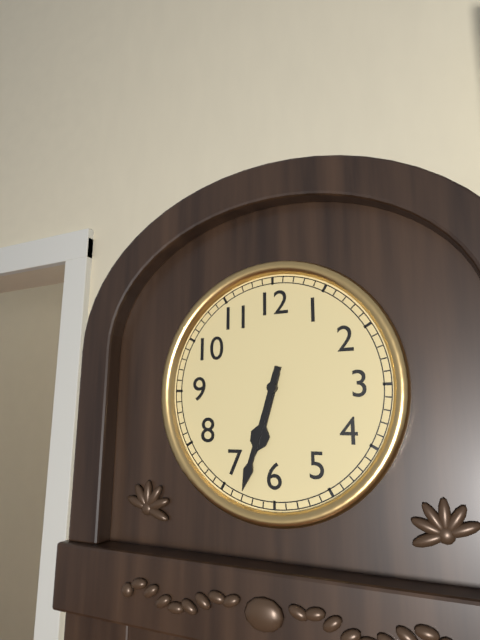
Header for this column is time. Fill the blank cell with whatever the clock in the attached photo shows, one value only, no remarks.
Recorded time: 6:33
